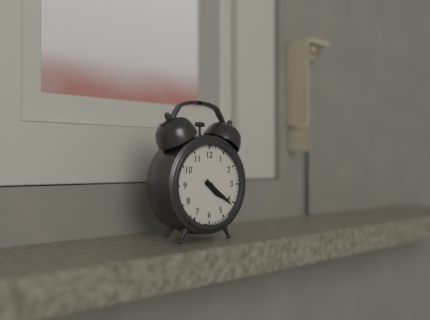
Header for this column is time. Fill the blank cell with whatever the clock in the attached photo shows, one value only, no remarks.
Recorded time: 4:21
